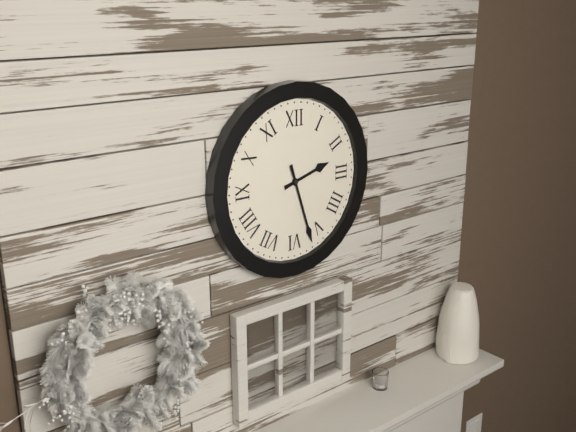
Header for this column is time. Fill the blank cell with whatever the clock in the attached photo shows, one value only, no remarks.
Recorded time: 2:27
